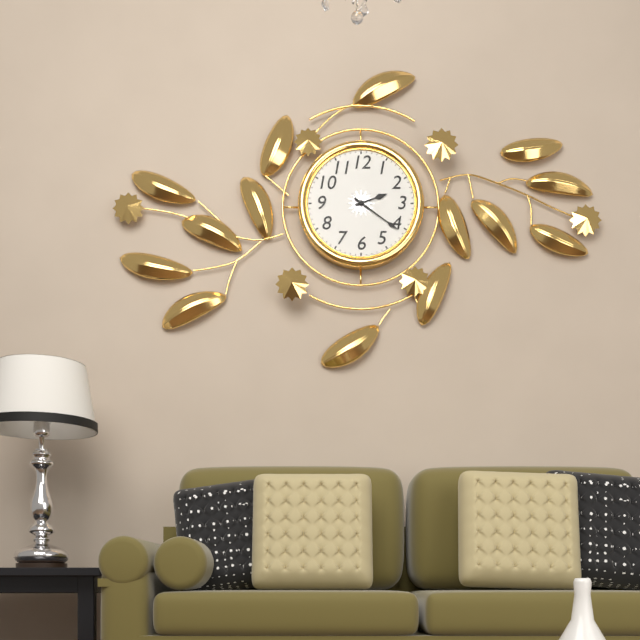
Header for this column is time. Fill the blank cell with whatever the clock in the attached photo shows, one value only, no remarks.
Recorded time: 2:21
